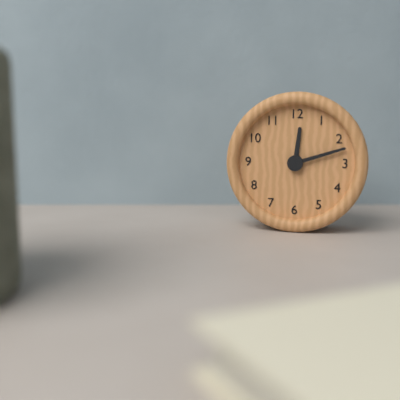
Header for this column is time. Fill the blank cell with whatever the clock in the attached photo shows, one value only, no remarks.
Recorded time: 12:12
